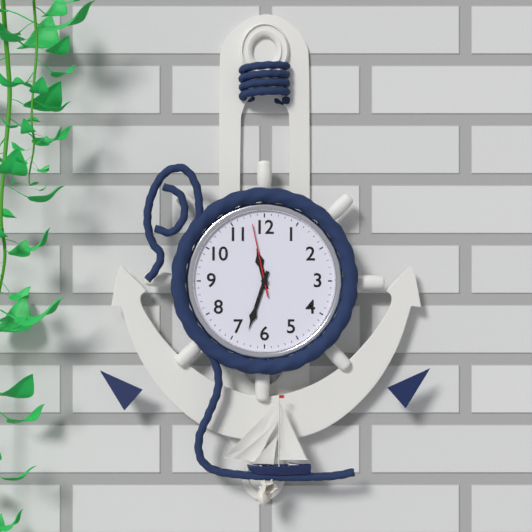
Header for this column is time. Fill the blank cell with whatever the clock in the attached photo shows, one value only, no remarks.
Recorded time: 11:33:58
